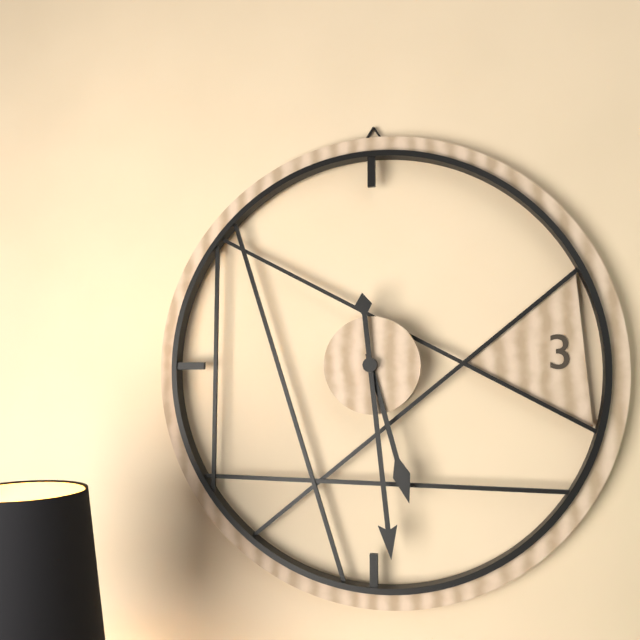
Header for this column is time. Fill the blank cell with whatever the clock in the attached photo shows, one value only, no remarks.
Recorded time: 5:29
